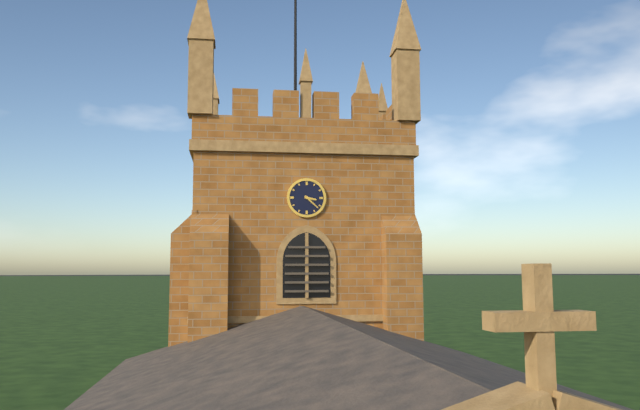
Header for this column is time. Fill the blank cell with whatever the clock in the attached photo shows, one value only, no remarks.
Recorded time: 3:22
